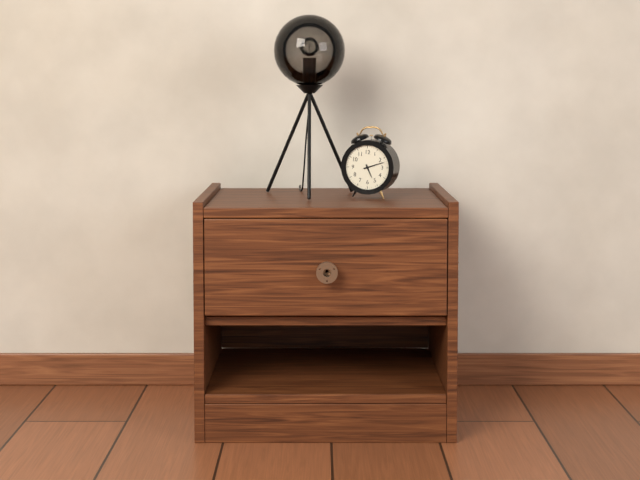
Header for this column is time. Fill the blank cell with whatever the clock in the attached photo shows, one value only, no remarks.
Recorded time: 5:12
